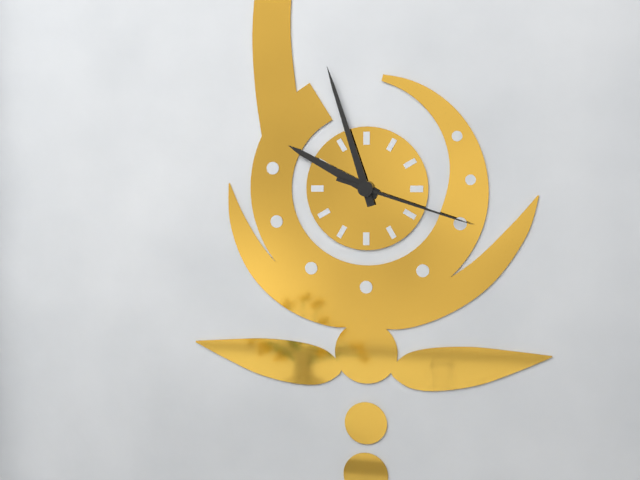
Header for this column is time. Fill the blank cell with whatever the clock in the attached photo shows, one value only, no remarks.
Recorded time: 9:57:18
